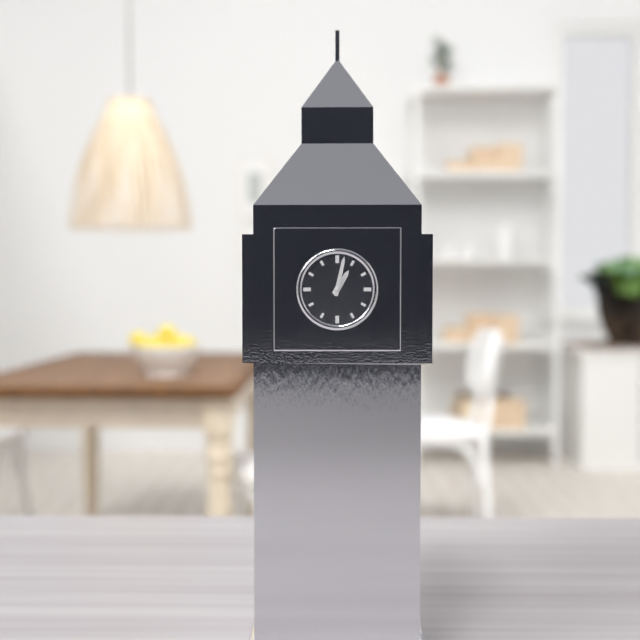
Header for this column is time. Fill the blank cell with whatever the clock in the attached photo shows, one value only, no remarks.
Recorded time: 1:02
